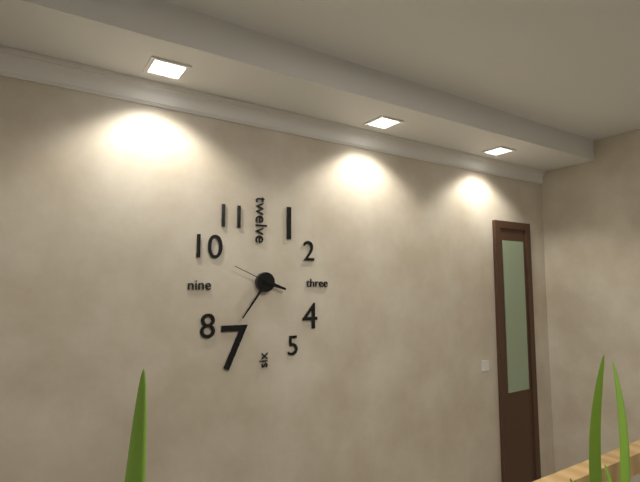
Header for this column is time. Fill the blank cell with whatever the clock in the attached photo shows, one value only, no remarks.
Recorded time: 3:36
